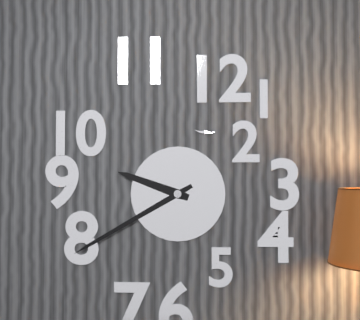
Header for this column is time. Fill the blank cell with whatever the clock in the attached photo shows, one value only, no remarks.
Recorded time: 9:40
